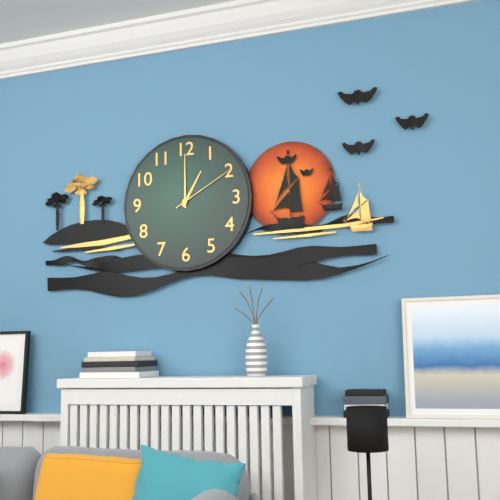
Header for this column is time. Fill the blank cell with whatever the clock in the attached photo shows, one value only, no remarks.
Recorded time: 1:00:10
